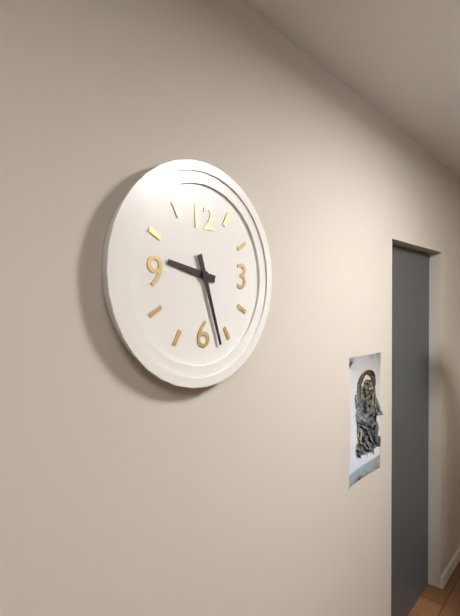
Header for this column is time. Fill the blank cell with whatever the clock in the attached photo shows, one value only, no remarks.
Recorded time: 9:27
